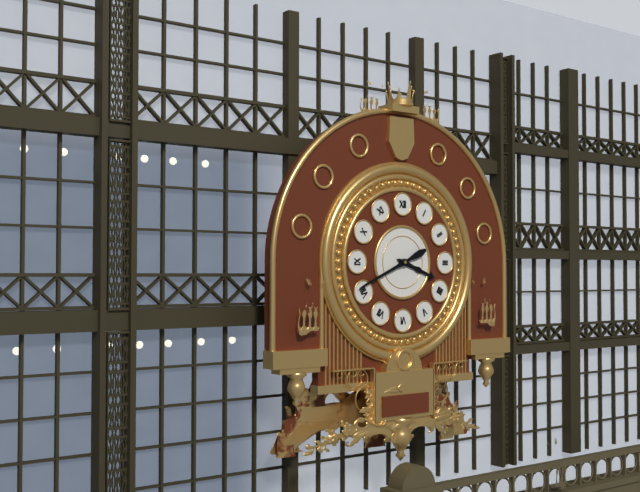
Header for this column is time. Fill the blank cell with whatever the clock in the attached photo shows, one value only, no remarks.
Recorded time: 3:41
